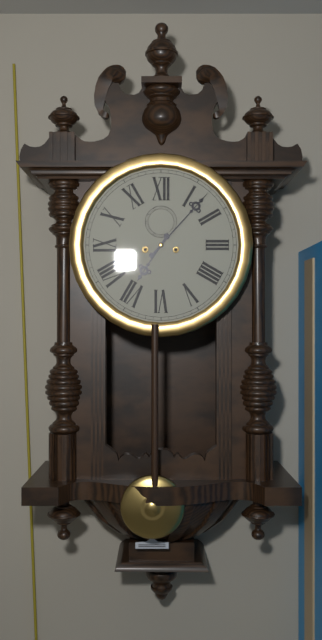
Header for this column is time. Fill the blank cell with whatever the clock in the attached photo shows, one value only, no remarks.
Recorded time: 7:07
